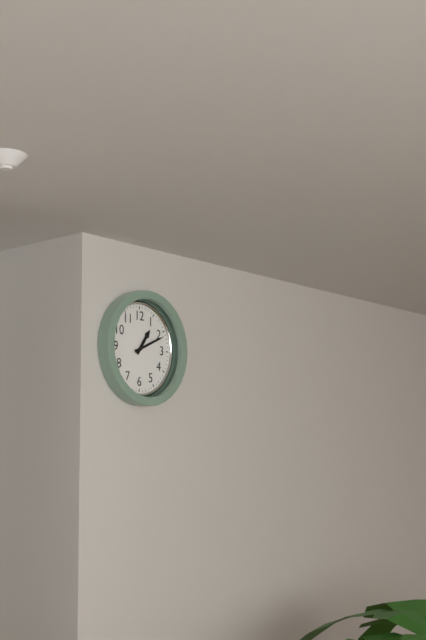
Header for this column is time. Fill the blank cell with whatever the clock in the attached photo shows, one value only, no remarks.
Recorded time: 1:11
